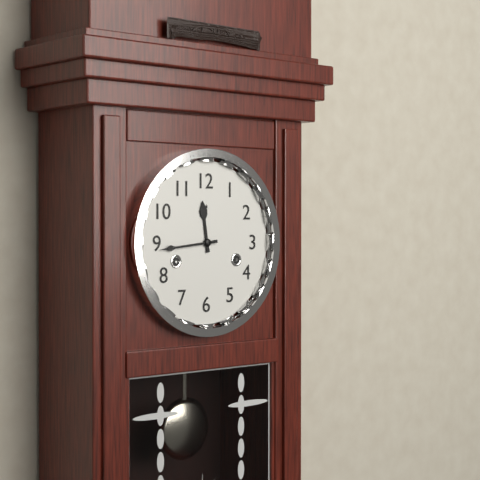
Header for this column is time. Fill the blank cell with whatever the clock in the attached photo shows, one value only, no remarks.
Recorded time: 11:44
